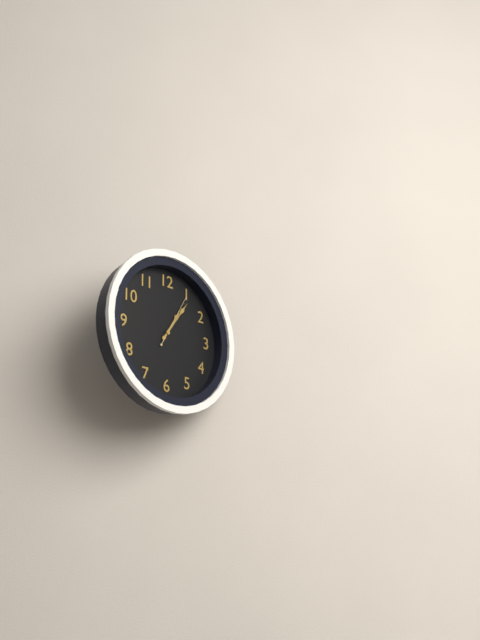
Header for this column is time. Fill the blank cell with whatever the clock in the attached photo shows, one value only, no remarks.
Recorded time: 1:06:05
